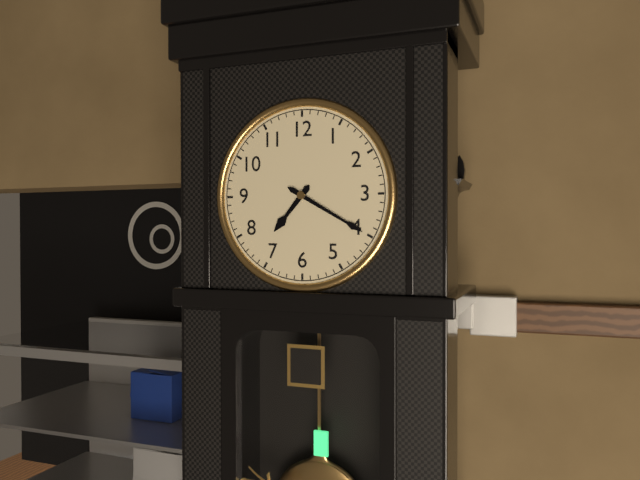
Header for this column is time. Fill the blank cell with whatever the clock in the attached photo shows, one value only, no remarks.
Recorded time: 7:20
